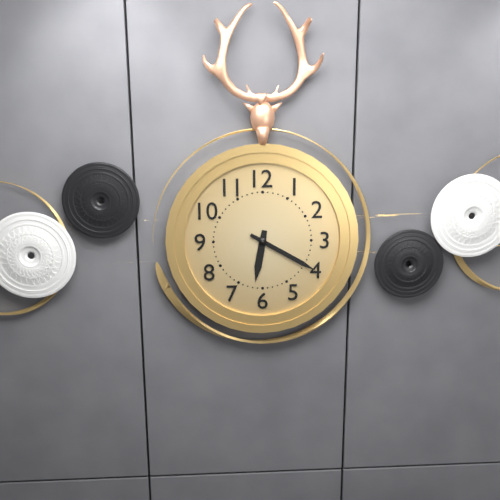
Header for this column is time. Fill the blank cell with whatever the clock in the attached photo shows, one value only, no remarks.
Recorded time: 6:20
